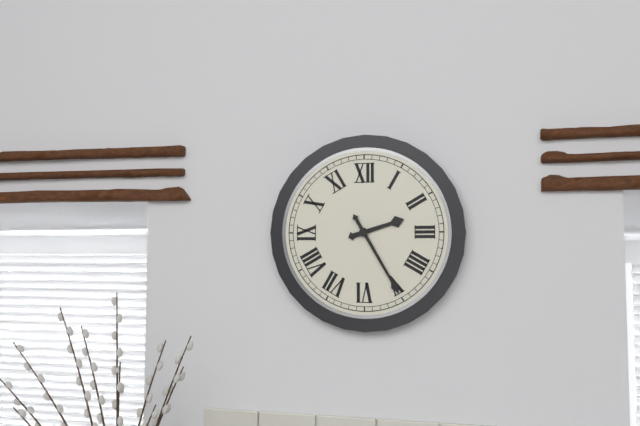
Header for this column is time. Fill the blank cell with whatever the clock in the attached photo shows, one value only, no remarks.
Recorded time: 2:25
